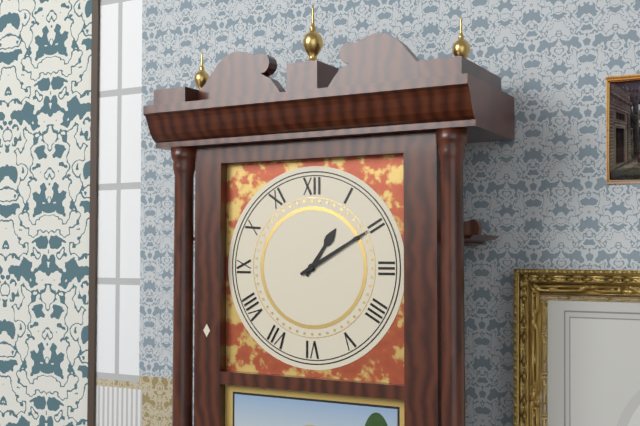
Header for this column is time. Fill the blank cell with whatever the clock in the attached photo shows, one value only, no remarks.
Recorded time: 1:10
